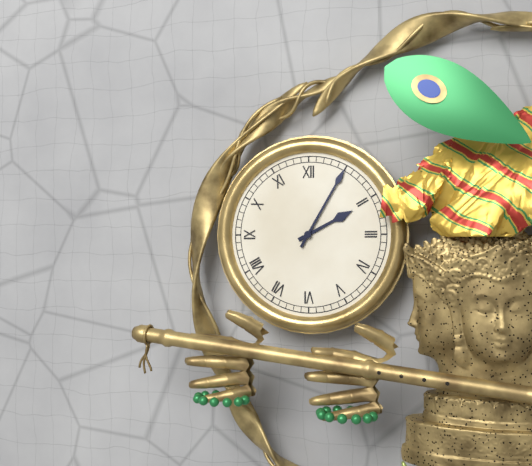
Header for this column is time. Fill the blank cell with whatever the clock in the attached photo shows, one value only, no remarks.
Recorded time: 2:05
